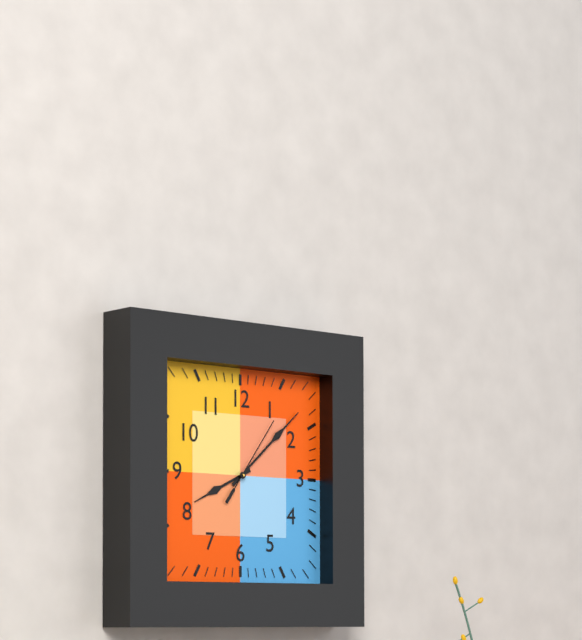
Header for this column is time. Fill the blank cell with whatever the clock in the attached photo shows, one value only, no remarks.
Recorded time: 8:08:06
